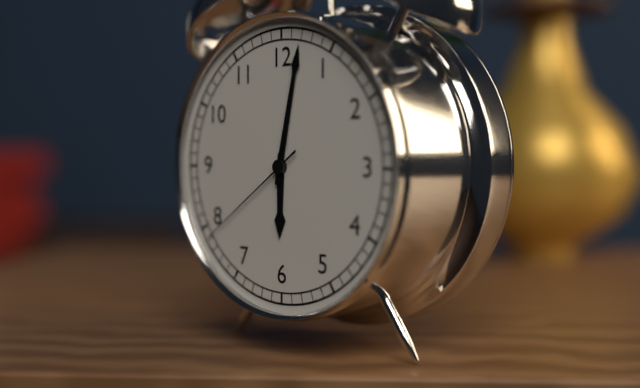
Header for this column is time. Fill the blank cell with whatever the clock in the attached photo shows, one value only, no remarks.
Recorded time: 6:02:39
